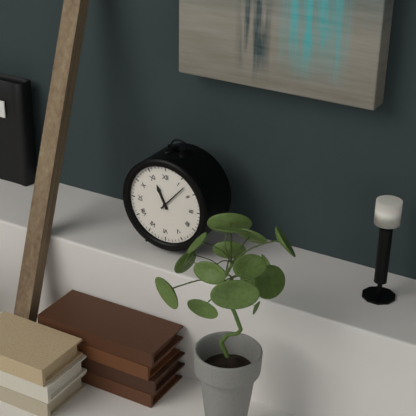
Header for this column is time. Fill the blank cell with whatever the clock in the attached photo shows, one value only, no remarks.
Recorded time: 11:07
